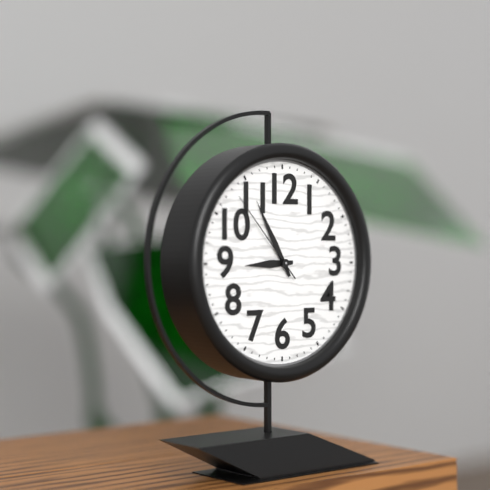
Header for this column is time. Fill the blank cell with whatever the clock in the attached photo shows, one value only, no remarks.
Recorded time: 8:55:53
